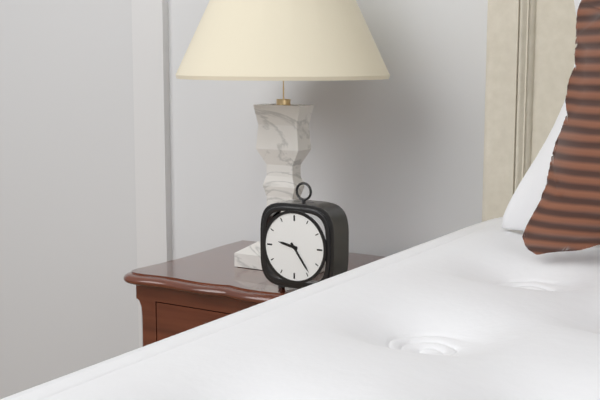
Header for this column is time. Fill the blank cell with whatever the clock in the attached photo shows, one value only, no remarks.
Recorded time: 9:24
